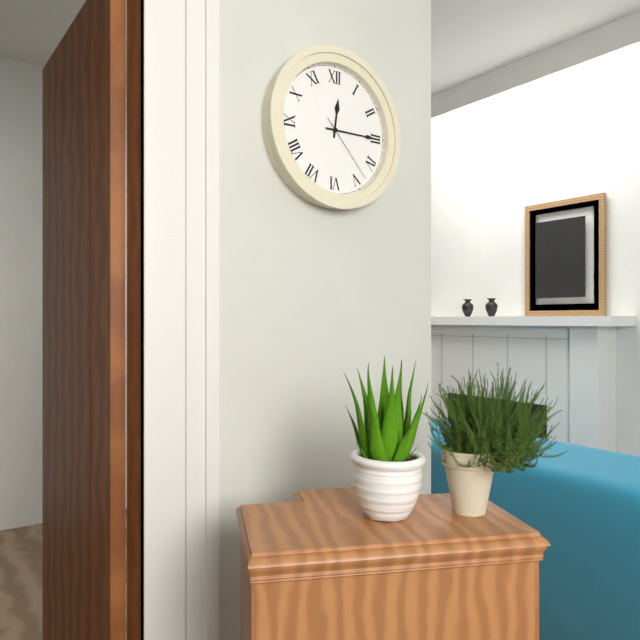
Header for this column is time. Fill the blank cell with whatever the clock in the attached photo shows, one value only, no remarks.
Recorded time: 12:15:23
